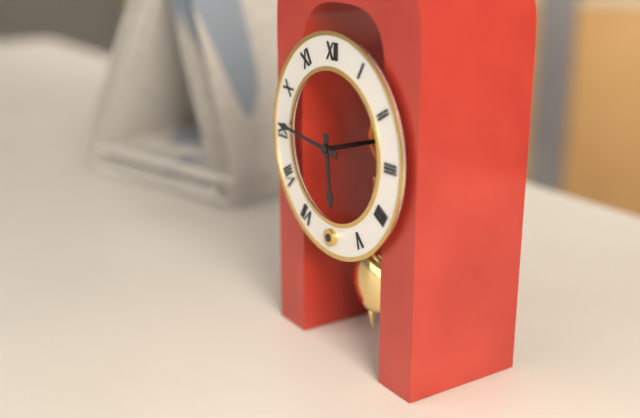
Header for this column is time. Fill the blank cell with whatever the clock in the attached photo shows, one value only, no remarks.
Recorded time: 5:46
